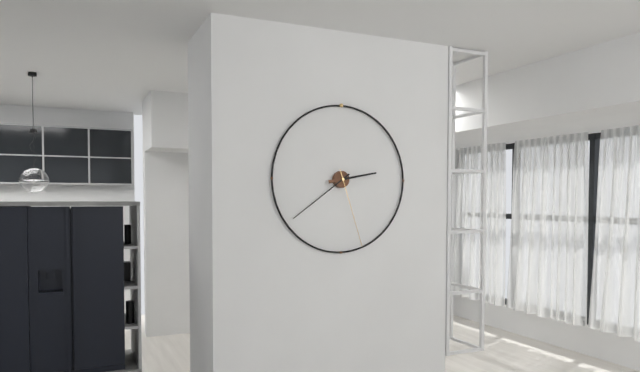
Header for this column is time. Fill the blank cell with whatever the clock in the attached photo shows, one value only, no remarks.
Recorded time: 2:39:27
